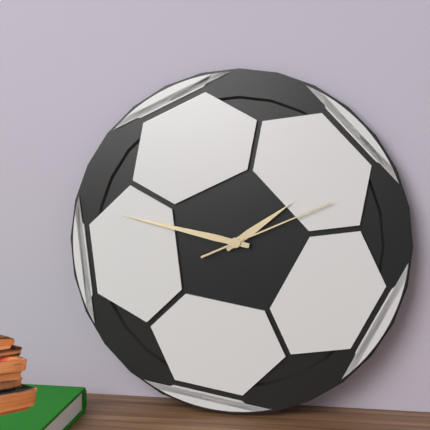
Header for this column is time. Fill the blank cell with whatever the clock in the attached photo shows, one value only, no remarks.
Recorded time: 1:47:11
